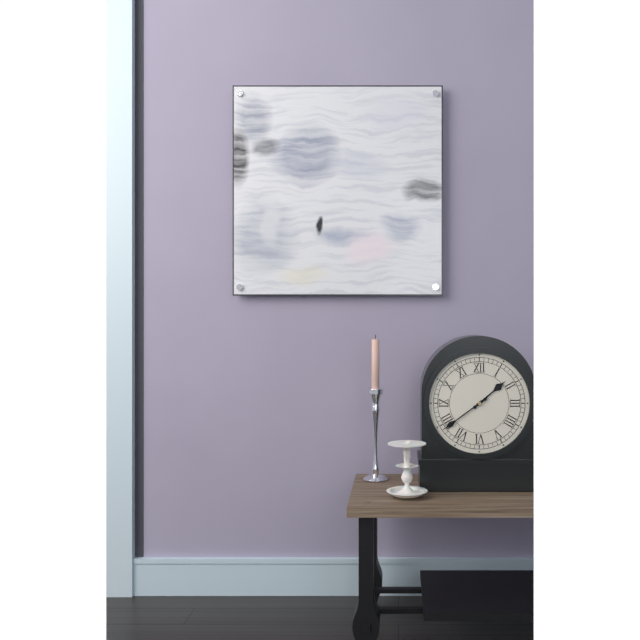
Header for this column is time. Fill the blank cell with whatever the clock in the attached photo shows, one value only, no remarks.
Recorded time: 1:39
